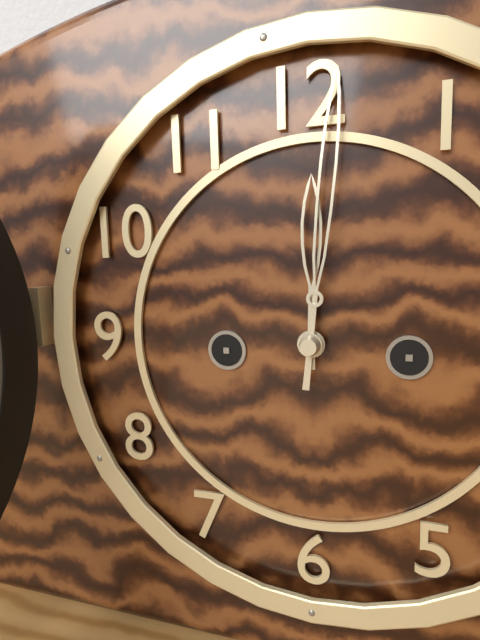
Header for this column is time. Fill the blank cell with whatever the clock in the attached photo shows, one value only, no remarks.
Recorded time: 12:01
